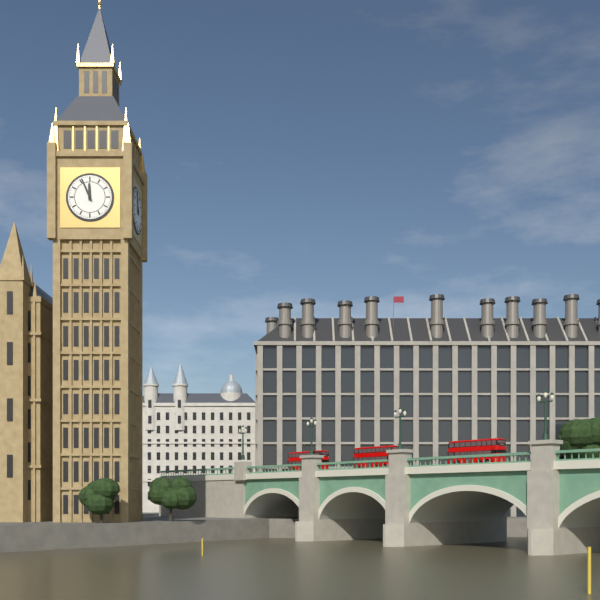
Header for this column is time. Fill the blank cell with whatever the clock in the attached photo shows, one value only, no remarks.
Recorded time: 11:56
